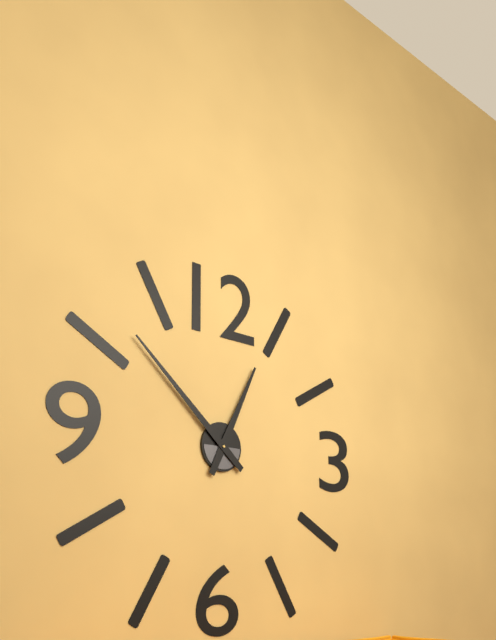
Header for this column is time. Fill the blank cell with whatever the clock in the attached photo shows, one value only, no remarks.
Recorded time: 12:52
